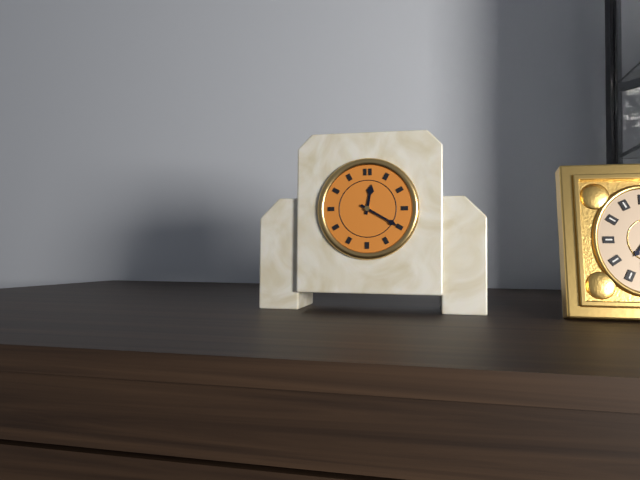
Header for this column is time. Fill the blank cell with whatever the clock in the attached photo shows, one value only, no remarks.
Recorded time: 12:20
